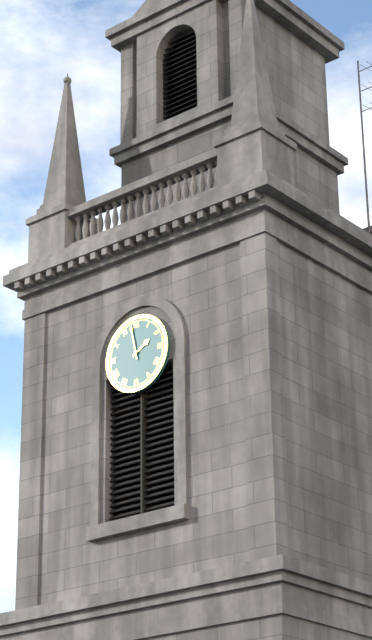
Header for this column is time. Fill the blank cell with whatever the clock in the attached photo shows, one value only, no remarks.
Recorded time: 1:58
